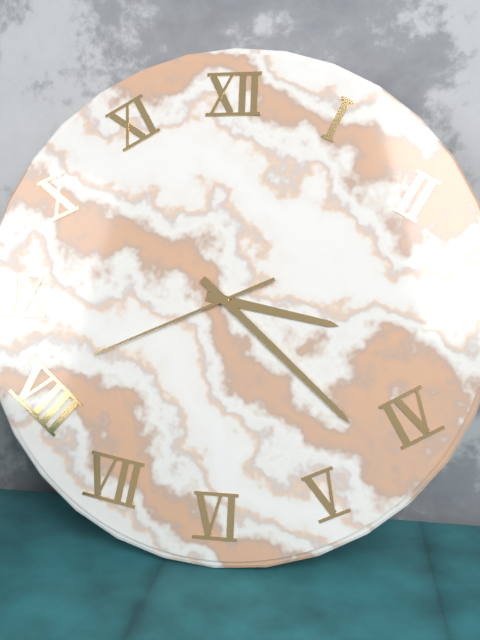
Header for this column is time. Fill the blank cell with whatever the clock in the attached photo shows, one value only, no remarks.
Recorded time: 3:22:41
